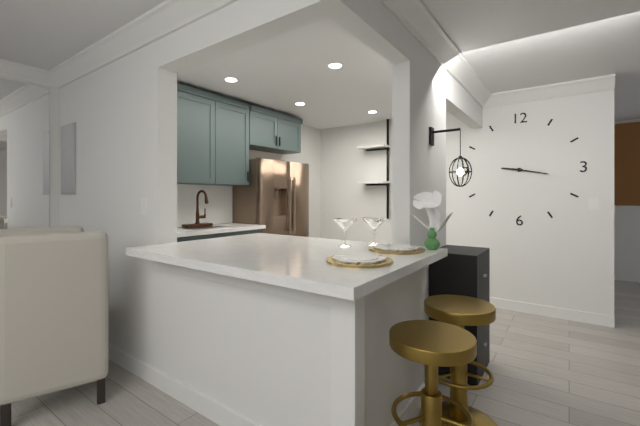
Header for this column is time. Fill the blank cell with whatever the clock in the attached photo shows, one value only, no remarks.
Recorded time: 9:17
